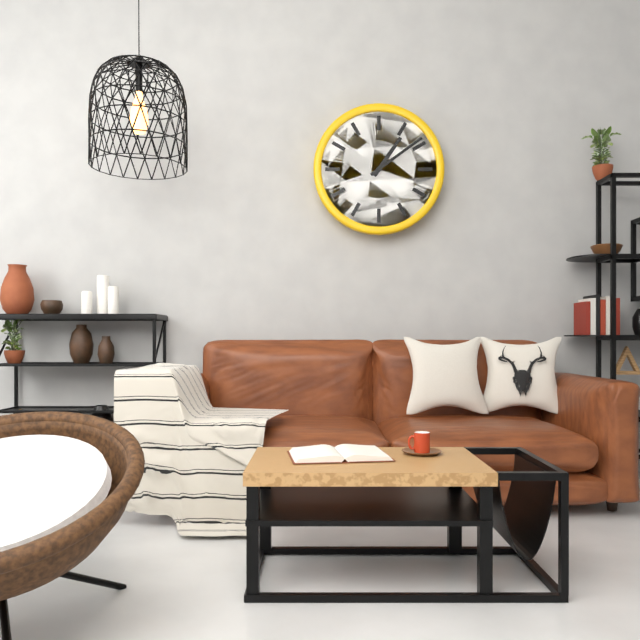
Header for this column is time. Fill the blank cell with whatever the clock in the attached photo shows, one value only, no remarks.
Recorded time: 1:09
